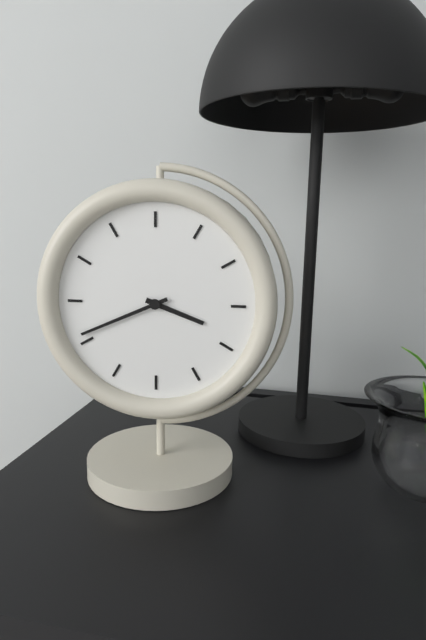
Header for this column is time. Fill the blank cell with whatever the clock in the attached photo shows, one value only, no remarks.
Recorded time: 3:41
